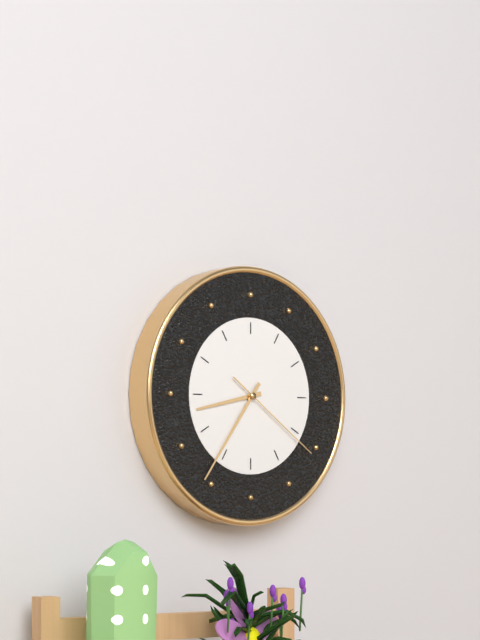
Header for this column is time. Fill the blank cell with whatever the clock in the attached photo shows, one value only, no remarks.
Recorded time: 8:36:21
